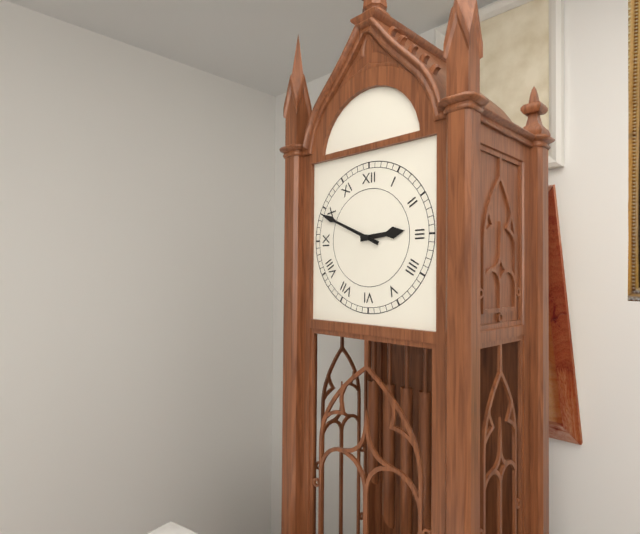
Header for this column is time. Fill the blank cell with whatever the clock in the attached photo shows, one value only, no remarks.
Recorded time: 2:49
